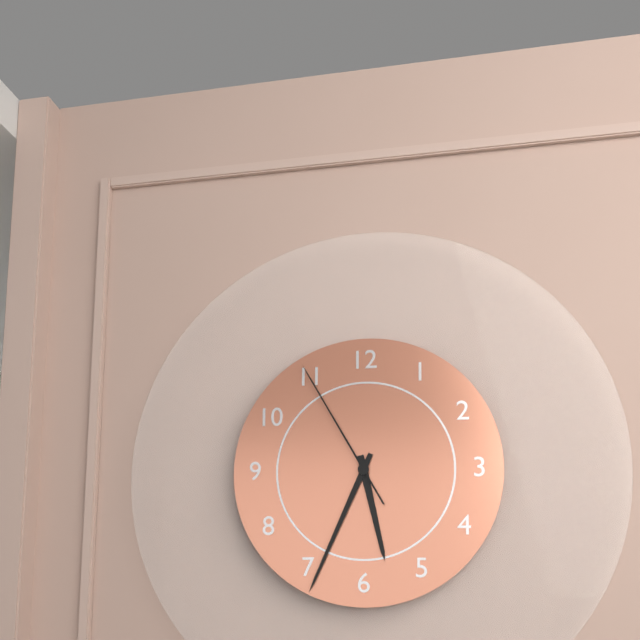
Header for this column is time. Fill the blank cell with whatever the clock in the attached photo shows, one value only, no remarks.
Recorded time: 5:34:55
